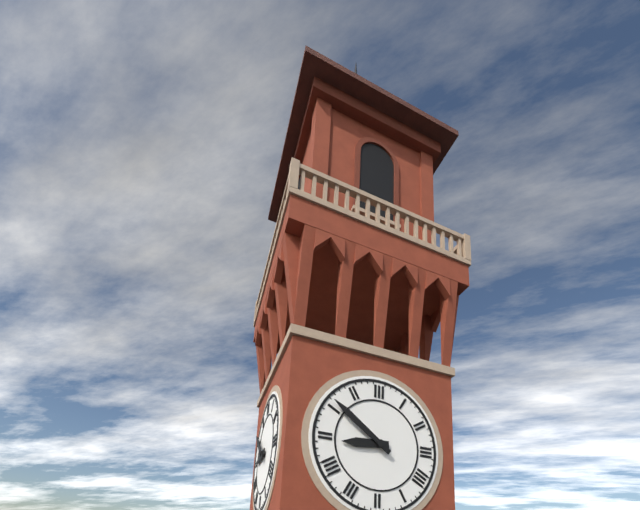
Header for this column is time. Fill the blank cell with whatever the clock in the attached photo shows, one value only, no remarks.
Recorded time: 8:51
